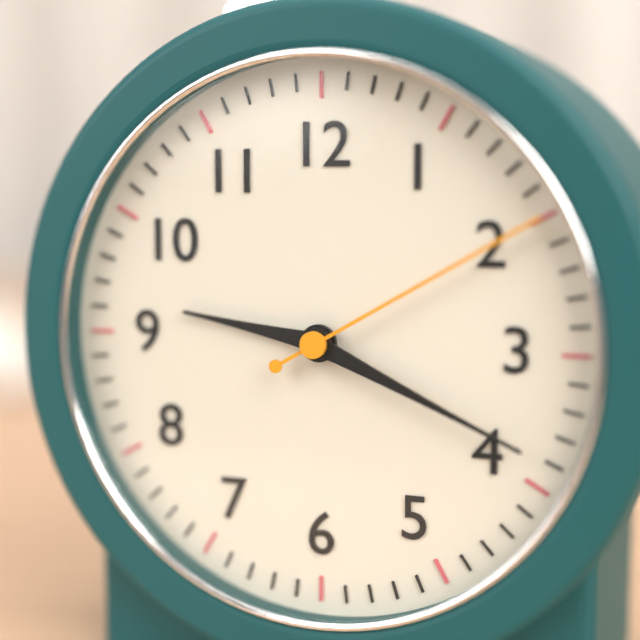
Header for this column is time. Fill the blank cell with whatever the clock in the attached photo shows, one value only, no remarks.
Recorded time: 9:19:10
